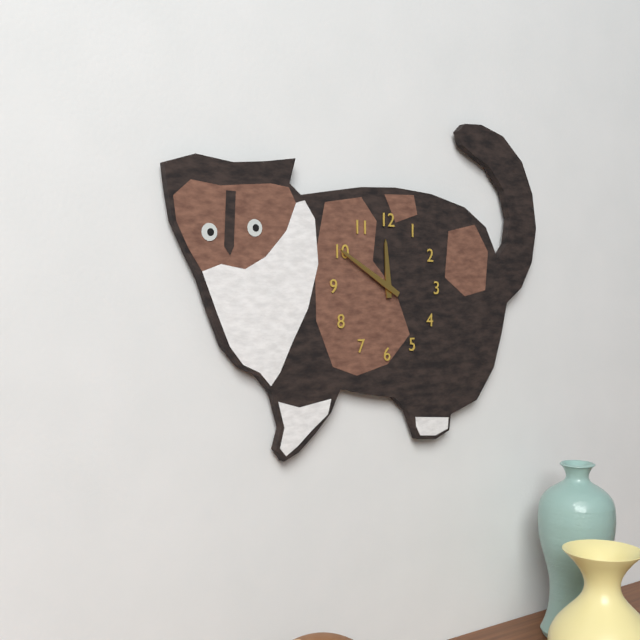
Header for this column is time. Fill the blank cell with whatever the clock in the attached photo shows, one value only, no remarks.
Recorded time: 11:50
